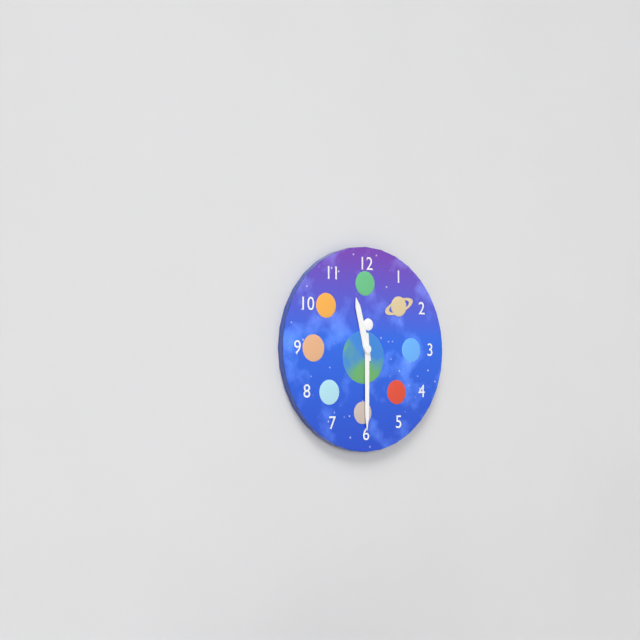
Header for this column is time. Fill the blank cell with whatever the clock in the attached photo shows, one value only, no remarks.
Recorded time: 11:30
